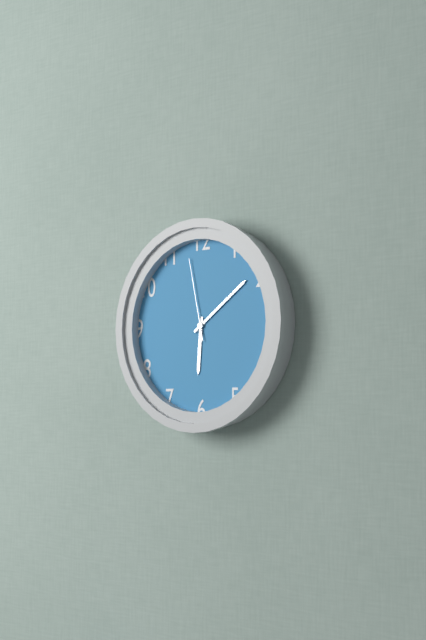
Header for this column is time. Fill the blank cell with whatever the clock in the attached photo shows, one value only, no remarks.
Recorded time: 6:09:58
